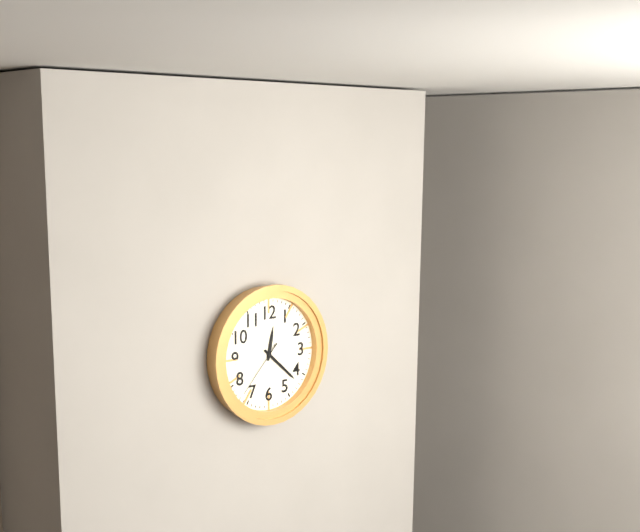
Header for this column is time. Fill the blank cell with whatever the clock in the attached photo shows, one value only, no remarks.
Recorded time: 12:22:37
